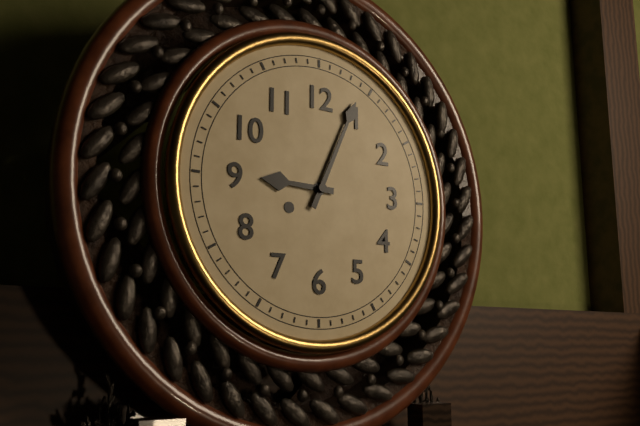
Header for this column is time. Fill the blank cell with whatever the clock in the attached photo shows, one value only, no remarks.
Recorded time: 9:04
